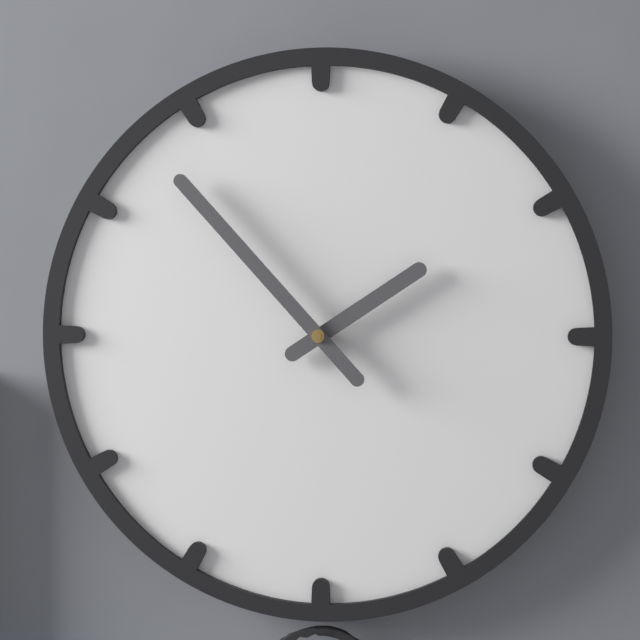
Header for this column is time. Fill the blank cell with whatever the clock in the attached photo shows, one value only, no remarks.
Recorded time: 1:53
